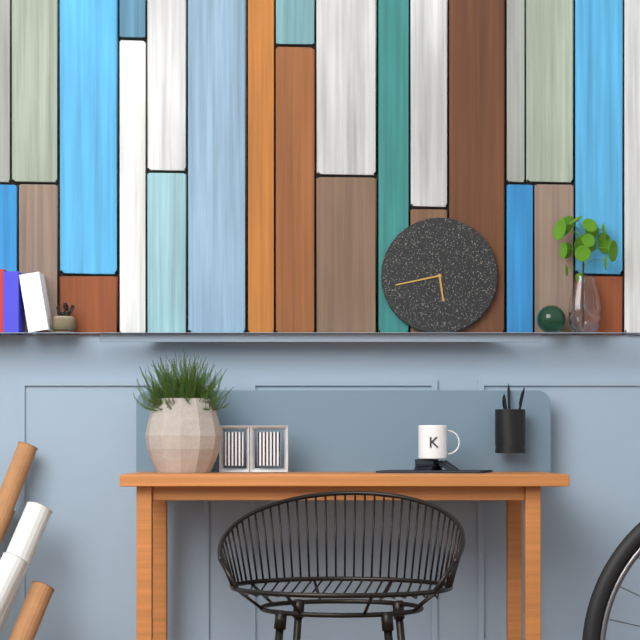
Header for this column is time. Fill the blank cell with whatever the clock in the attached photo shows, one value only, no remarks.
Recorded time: 5:43
